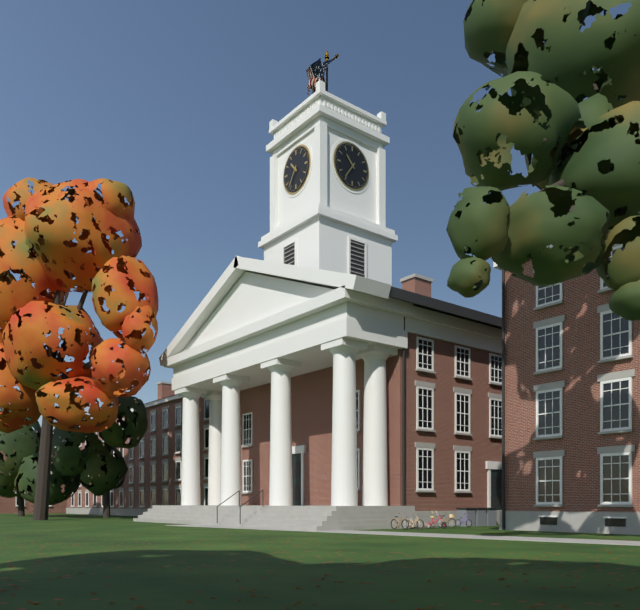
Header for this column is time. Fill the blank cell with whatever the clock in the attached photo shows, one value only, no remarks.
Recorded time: 10:36
